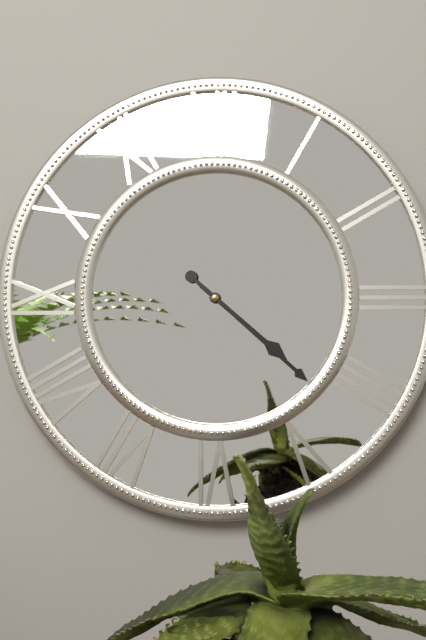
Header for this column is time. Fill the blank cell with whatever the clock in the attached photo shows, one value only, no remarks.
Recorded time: 4:22
